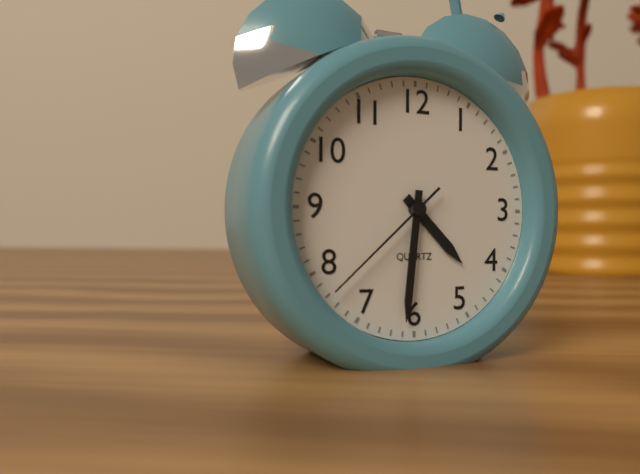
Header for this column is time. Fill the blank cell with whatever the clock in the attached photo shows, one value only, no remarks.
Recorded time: 4:31:38
